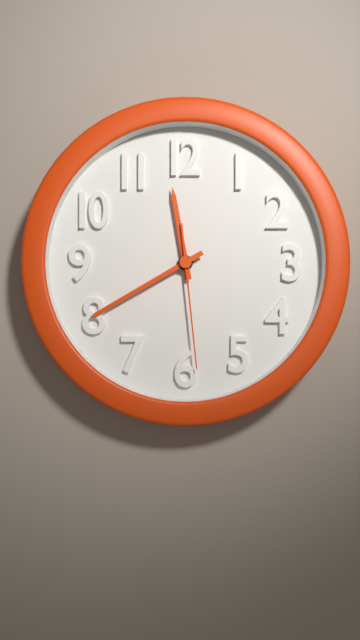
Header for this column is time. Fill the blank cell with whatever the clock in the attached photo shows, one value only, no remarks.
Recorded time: 11:40:29
